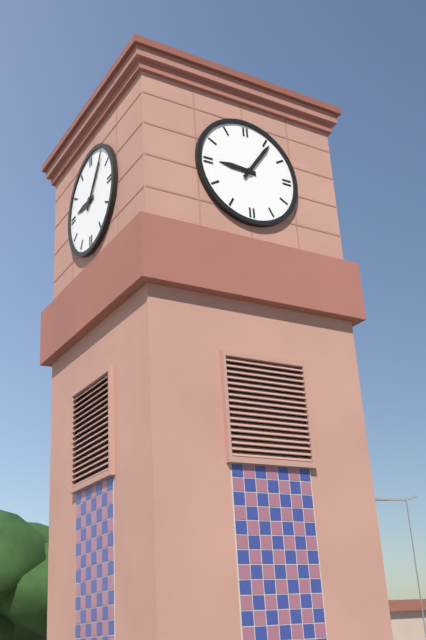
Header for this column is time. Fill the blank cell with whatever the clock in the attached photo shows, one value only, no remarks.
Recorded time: 9:06
